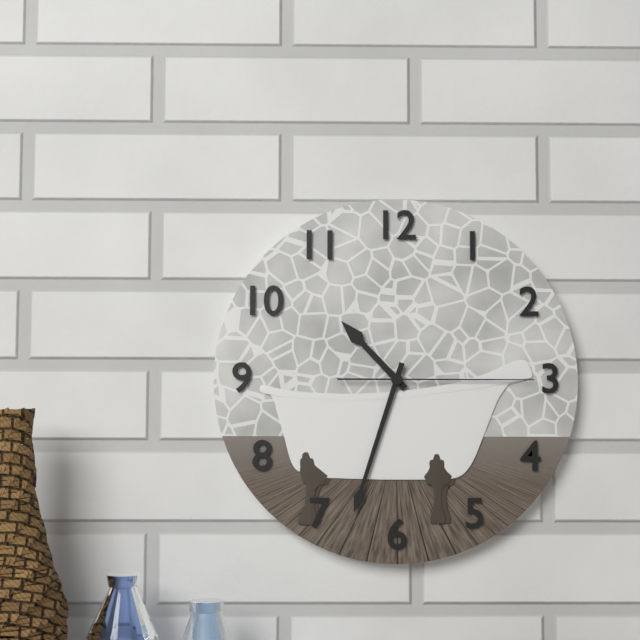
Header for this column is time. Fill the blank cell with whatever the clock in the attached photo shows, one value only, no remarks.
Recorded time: 10:33:15
